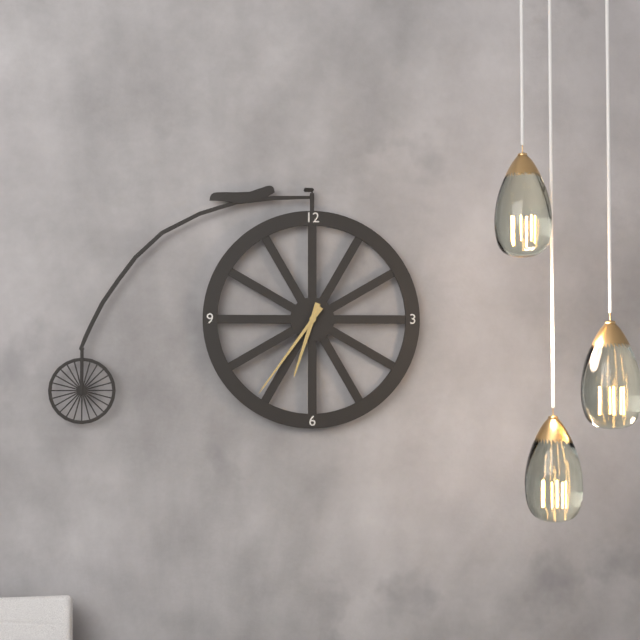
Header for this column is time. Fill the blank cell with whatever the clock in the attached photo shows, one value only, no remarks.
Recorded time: 6:36
